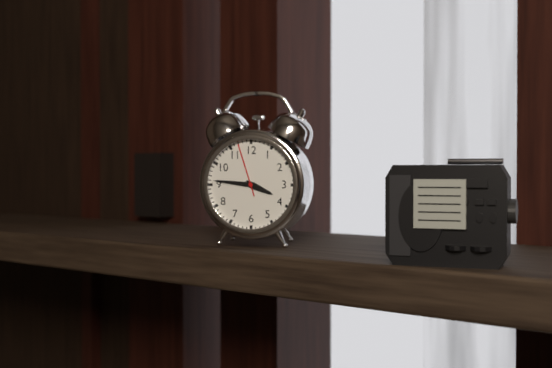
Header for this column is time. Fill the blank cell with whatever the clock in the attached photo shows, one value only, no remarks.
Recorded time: 3:46:57
